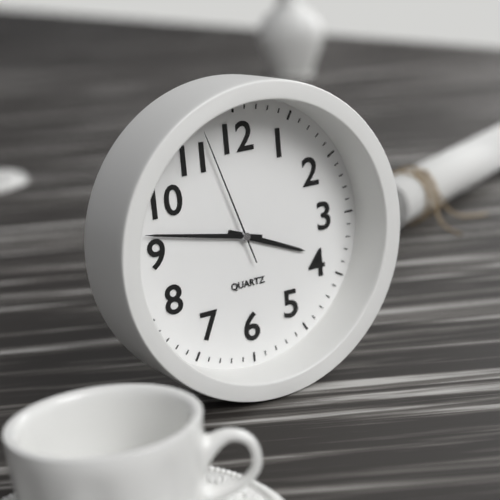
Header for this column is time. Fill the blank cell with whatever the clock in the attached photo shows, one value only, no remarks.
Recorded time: 3:47:57
